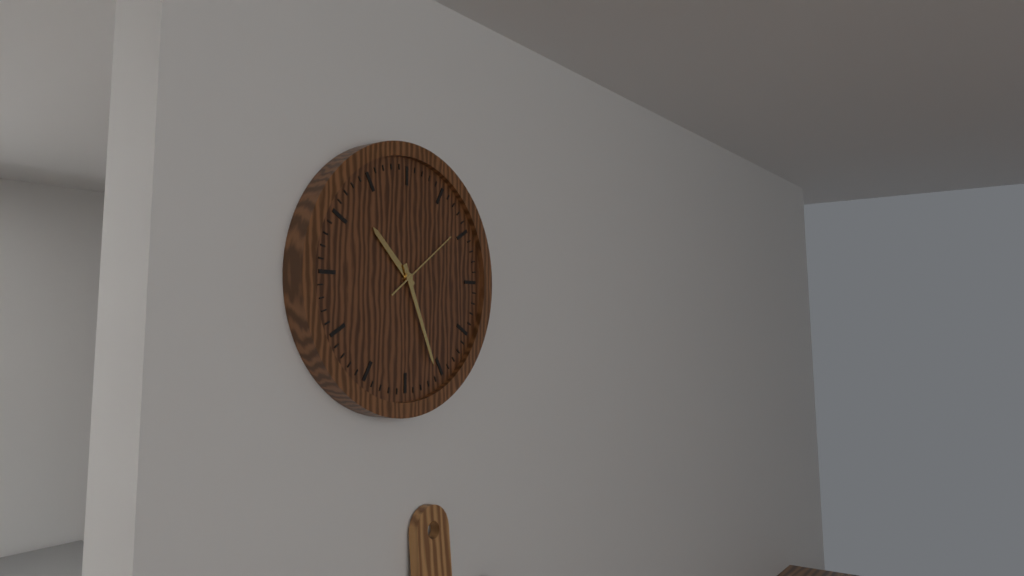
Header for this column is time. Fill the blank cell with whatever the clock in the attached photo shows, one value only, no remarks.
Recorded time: 10:26:09
